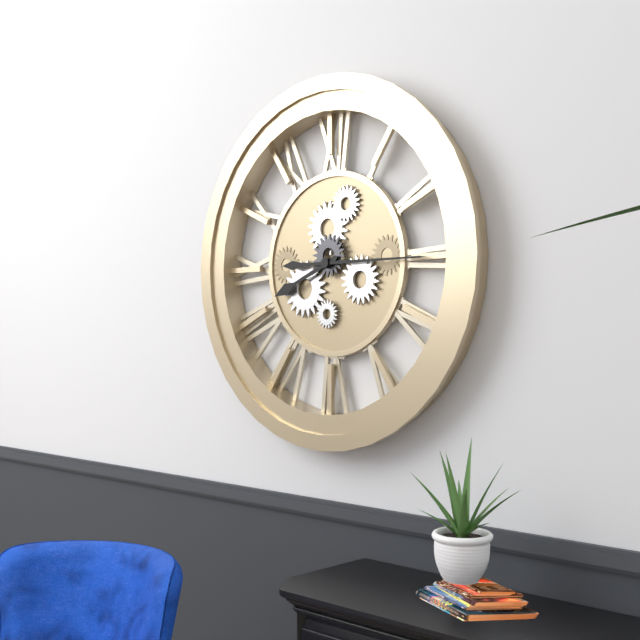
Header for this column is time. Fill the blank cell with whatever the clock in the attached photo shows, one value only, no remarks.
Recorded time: 8:15
